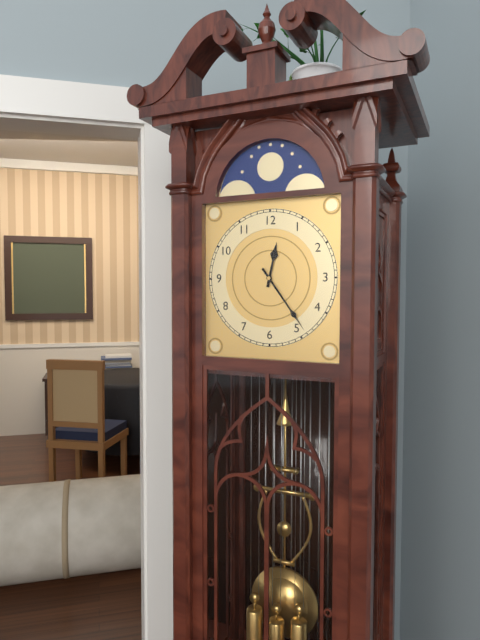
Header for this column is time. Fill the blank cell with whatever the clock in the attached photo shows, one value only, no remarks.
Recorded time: 12:24
